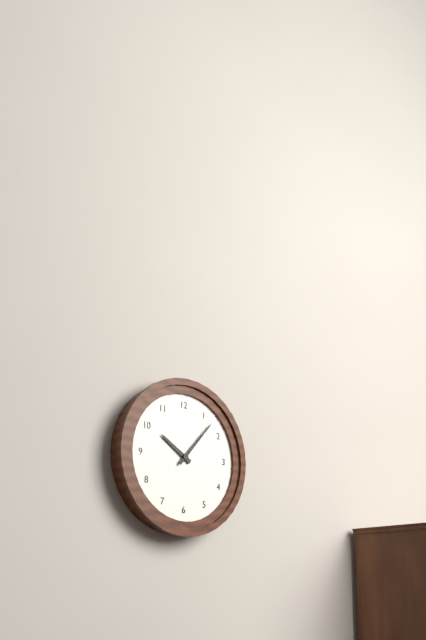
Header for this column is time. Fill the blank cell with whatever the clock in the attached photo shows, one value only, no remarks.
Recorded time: 10:07
